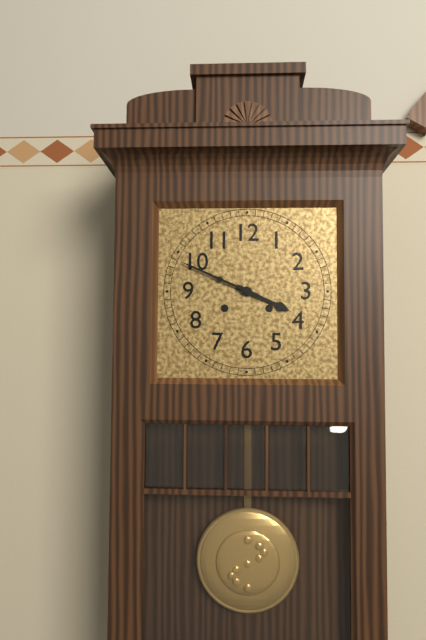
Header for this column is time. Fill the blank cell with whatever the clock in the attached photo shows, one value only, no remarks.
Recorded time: 3:49
